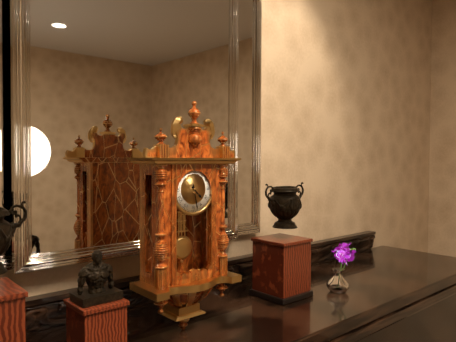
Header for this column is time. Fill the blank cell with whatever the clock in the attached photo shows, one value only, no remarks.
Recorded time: 4:28
